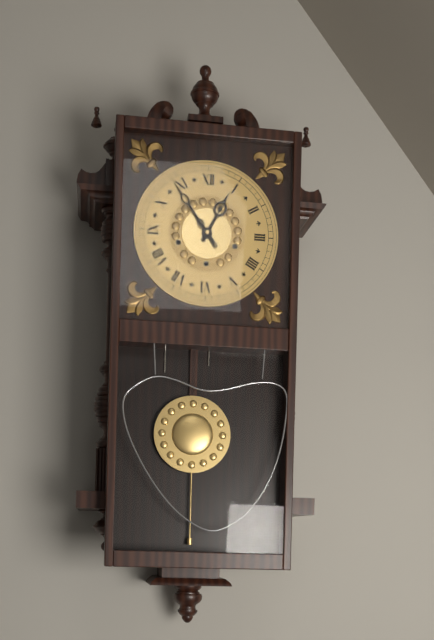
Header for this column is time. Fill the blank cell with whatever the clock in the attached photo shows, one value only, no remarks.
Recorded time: 12:54
